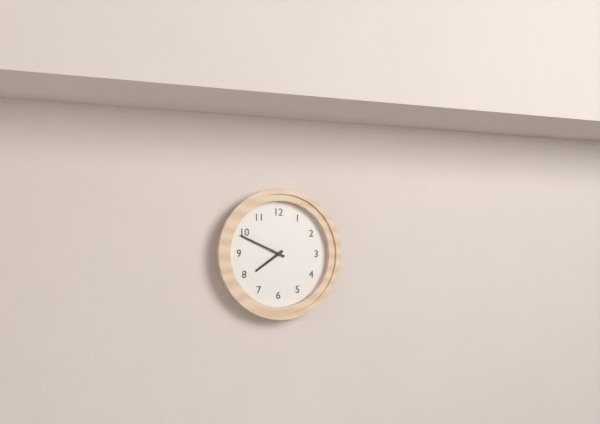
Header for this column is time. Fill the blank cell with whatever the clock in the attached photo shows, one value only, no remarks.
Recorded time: 7:49
